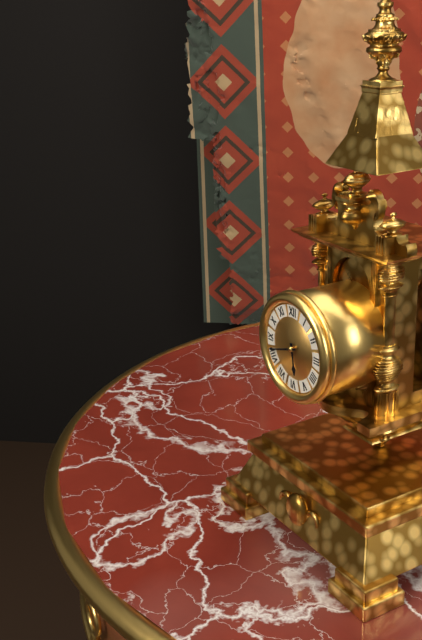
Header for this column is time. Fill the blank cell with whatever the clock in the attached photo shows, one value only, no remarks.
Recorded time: 5:42
